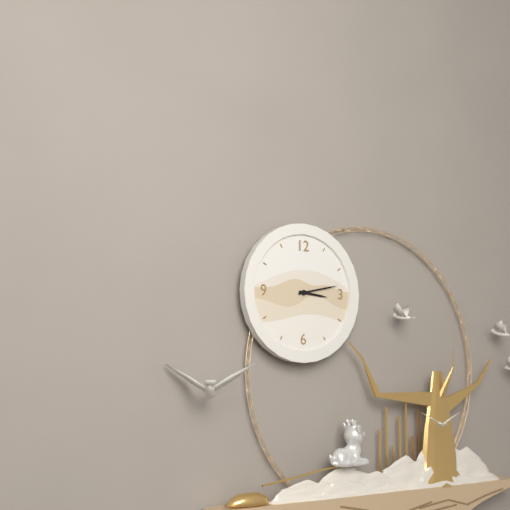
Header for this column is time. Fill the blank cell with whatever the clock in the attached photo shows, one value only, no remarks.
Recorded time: 3:13
